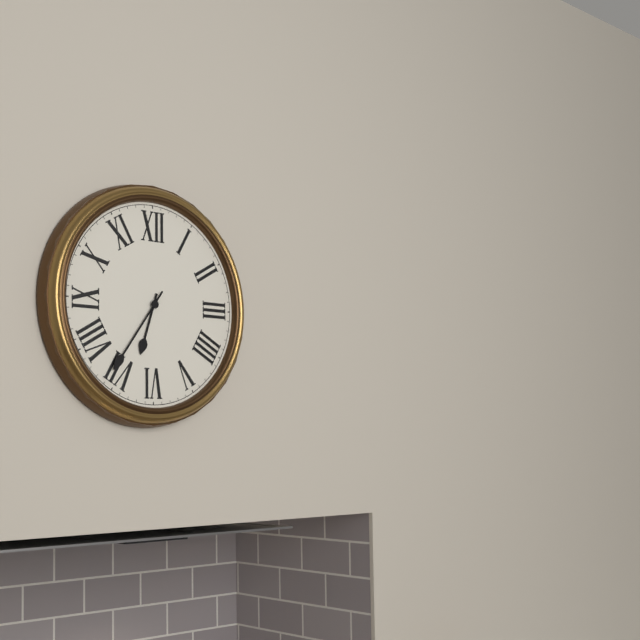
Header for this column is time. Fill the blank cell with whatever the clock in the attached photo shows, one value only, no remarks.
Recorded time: 6:36
